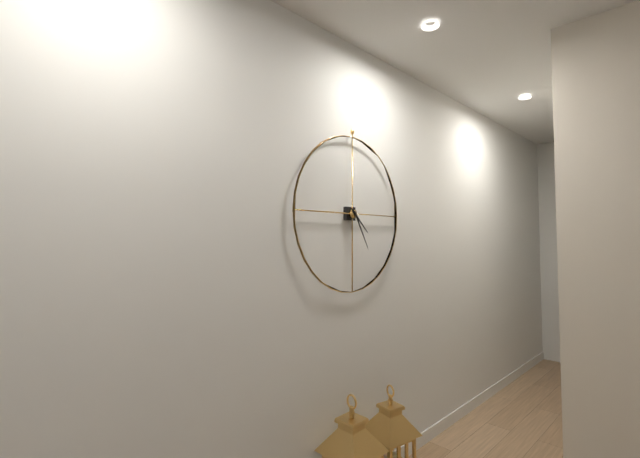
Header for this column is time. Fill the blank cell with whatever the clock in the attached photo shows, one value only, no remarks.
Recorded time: 4:25
